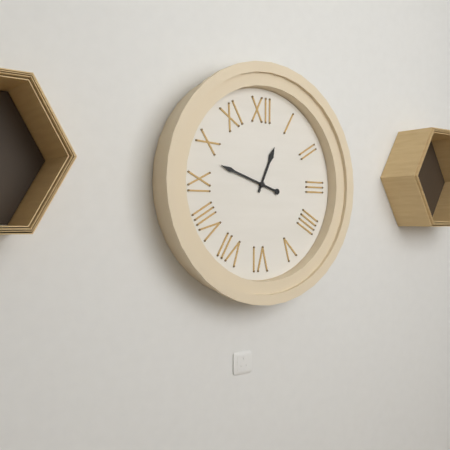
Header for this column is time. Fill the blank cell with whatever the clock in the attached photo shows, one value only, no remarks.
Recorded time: 12:48
